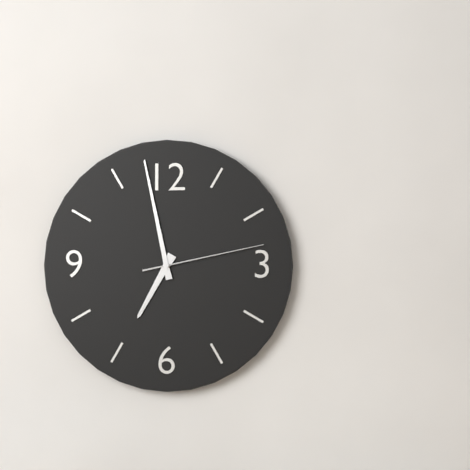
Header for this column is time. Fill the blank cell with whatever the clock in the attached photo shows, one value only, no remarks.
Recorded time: 6:58:13
